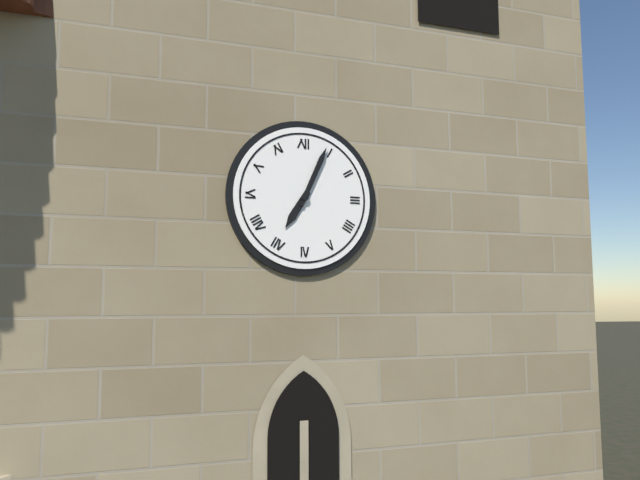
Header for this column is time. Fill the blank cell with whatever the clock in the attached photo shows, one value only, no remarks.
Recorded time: 7:04
